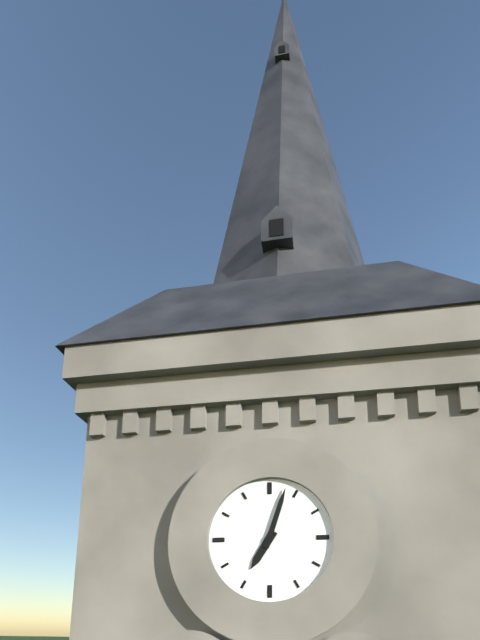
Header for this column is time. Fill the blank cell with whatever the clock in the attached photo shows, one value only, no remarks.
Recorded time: 7:03
